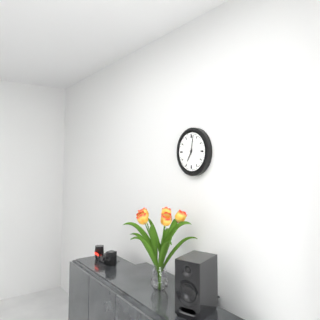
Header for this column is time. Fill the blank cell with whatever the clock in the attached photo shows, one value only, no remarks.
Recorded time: 7:02
